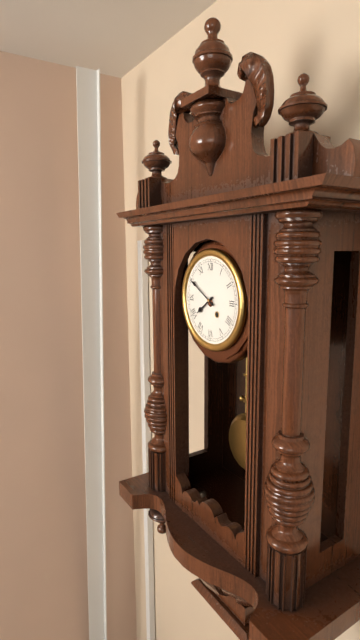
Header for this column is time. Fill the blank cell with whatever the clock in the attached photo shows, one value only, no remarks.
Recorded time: 7:50
